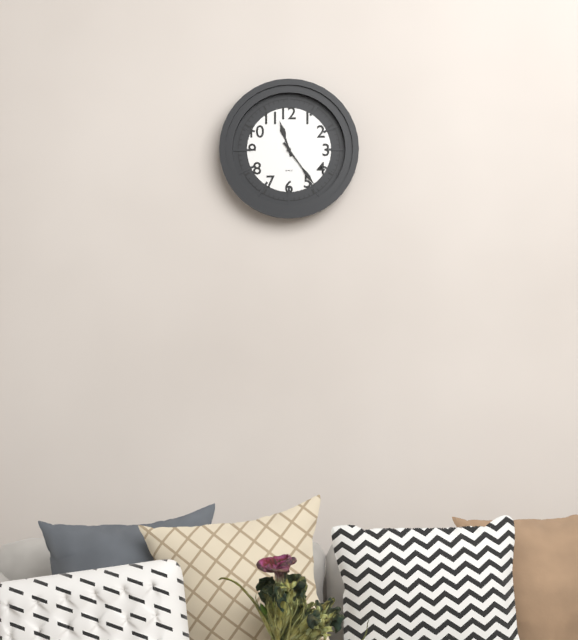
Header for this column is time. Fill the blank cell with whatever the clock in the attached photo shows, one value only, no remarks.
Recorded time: 11:24
